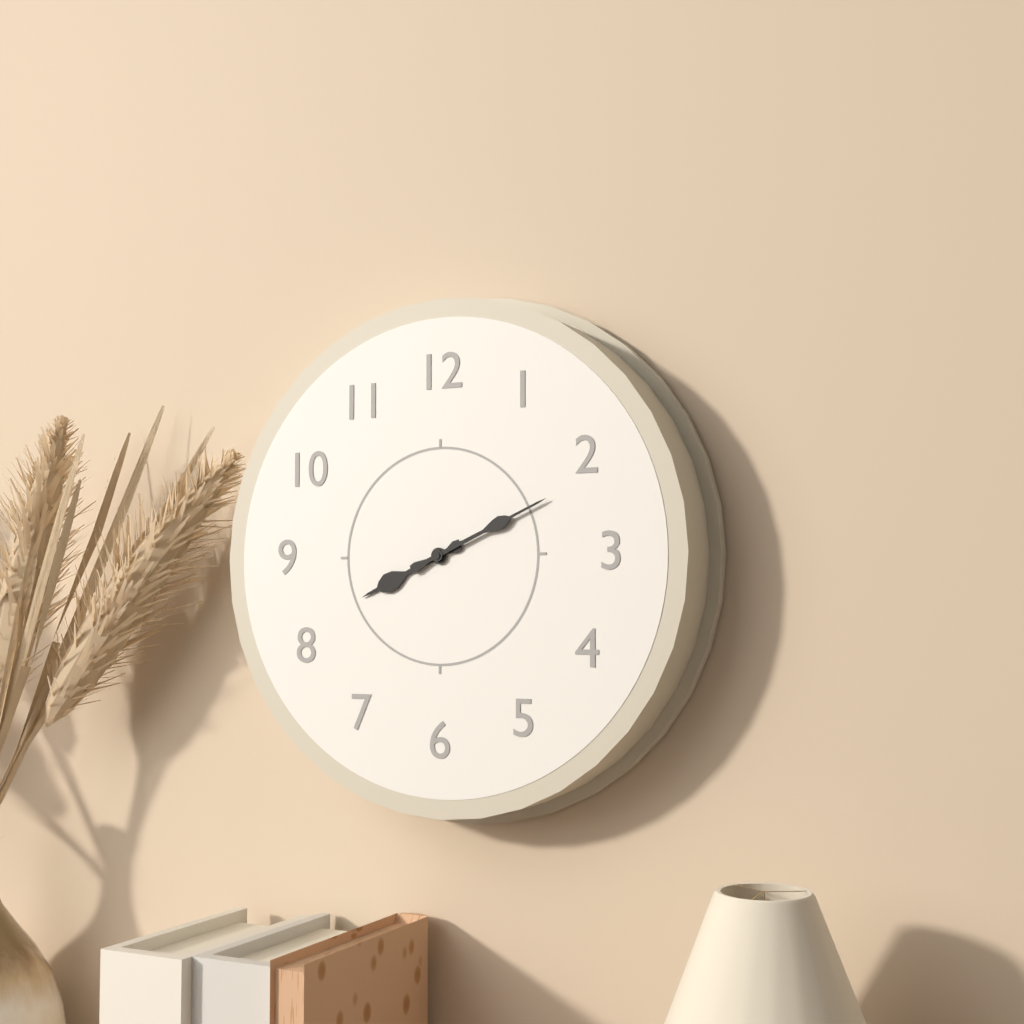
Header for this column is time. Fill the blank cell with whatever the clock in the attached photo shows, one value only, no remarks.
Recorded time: 8:11
